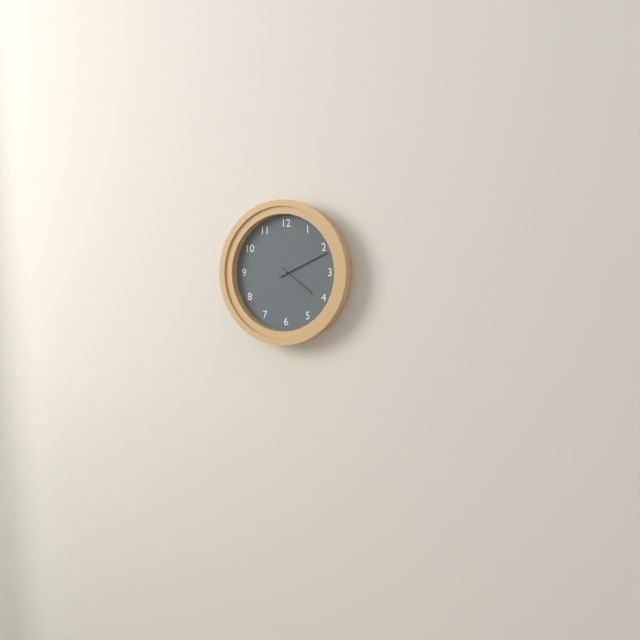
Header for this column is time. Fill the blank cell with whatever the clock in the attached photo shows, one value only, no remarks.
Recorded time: 4:11
